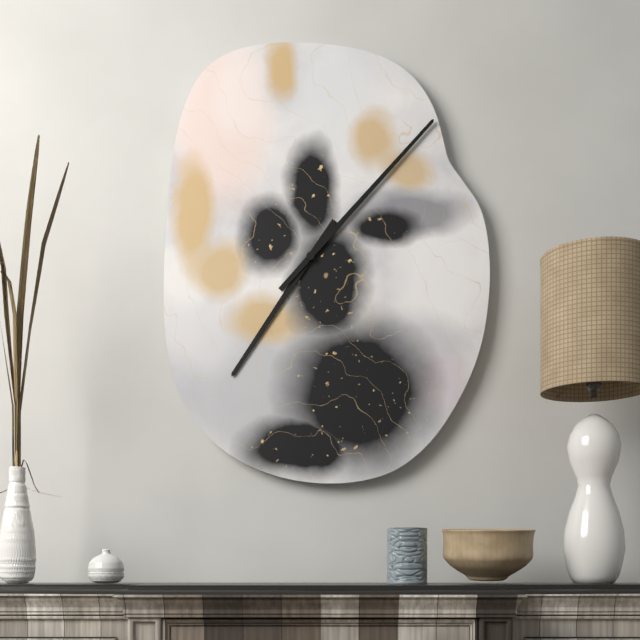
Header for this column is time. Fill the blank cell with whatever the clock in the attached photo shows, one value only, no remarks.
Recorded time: 7:07
